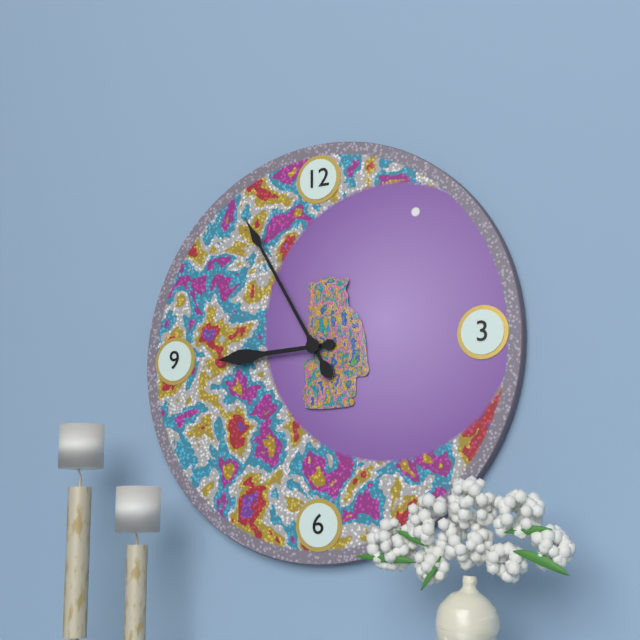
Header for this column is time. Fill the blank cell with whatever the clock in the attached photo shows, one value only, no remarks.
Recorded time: 8:55
